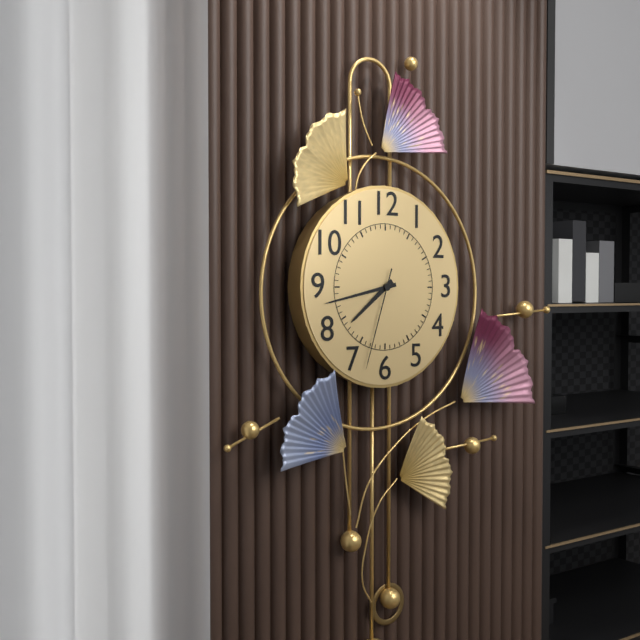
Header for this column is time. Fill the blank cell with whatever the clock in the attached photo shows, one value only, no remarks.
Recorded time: 7:43:33
